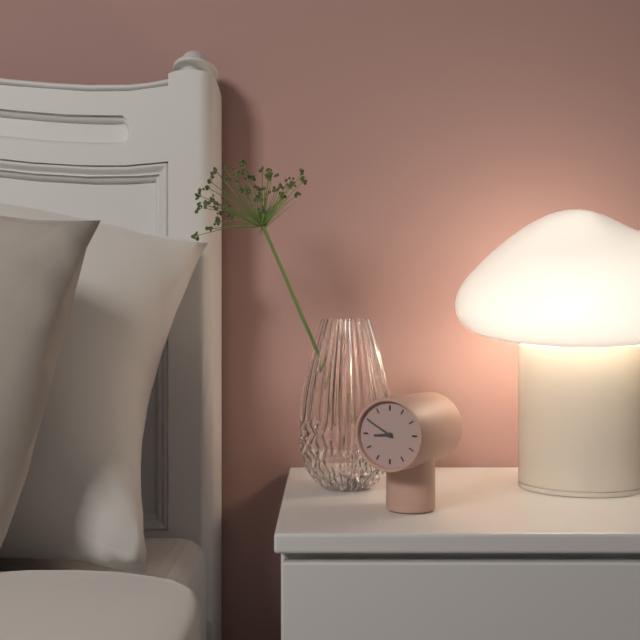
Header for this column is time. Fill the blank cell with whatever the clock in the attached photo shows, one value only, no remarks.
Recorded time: 8:50
